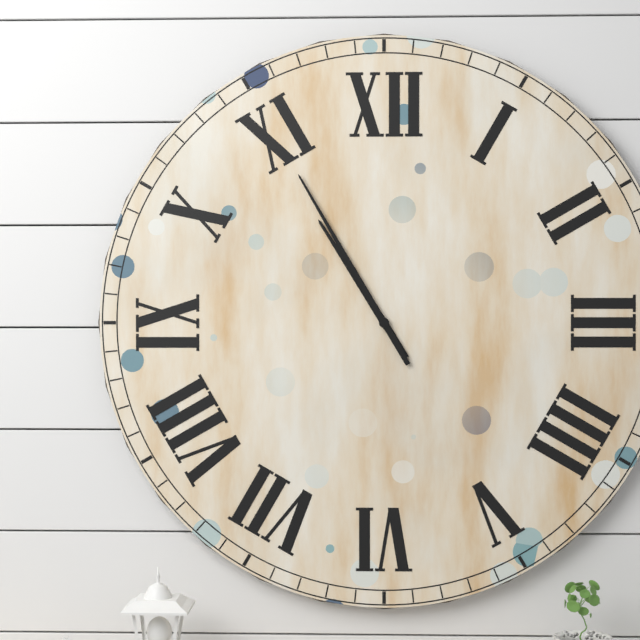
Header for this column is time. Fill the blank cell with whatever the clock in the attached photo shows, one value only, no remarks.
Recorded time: 10:55
